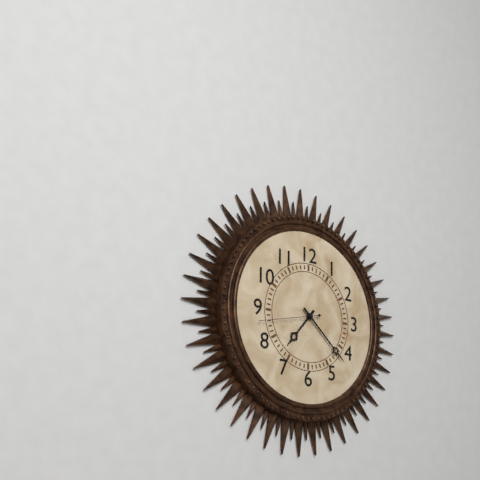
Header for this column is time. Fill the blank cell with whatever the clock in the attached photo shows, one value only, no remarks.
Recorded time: 7:22
